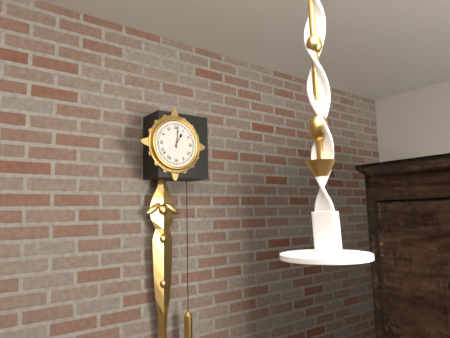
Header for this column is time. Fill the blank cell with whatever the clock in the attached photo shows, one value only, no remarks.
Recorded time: 1:01
